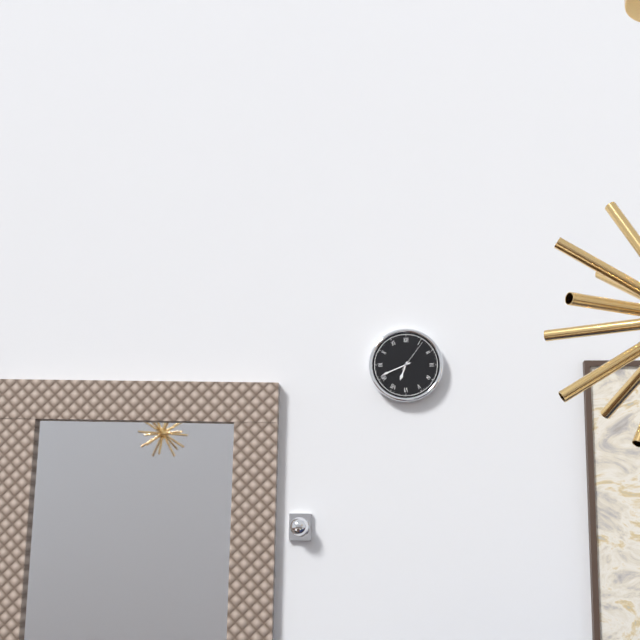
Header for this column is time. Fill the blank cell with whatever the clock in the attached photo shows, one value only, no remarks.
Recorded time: 6:41
